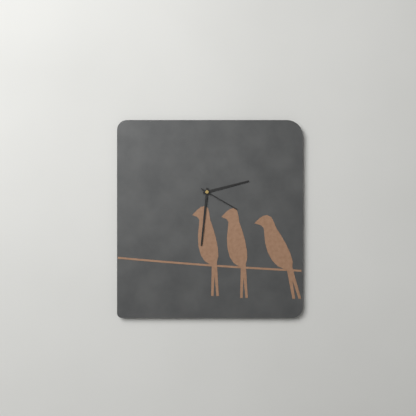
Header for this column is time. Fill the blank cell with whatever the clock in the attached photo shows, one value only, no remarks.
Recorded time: 2:31
